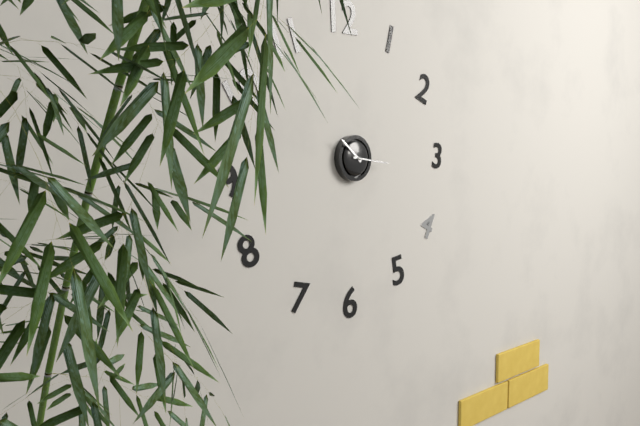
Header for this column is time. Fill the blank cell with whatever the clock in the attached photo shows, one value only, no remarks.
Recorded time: 10:16
